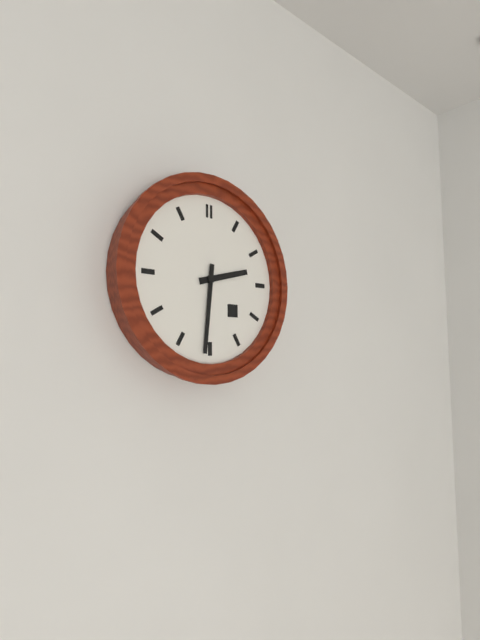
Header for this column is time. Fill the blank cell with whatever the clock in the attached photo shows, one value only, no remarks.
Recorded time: 2:31
